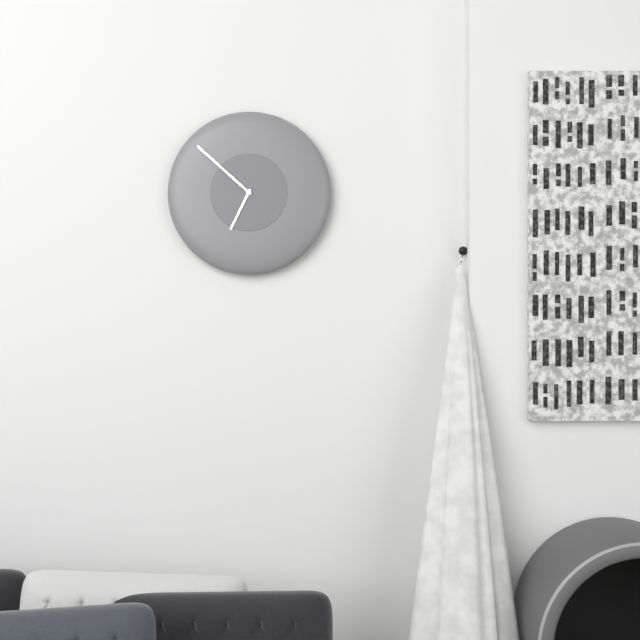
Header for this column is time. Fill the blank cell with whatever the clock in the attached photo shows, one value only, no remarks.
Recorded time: 6:52
